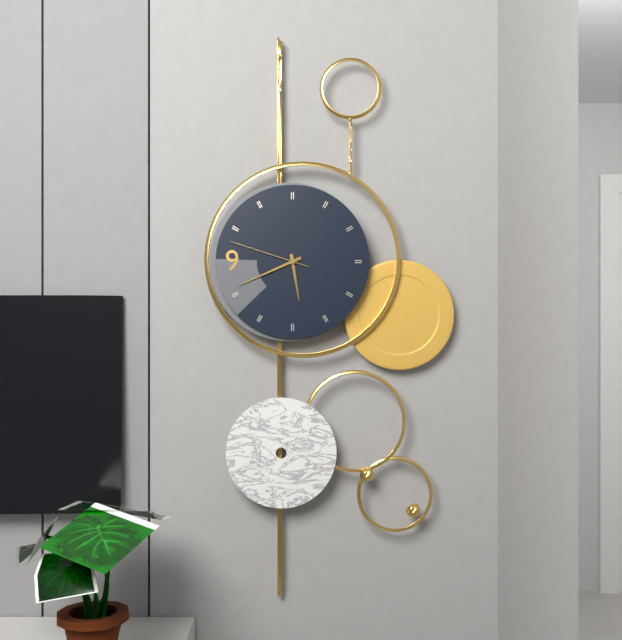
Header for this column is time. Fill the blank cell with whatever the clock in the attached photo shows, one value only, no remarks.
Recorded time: 5:41:48
